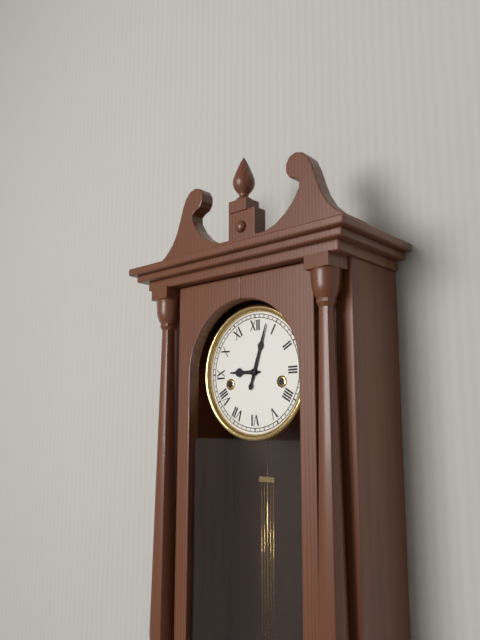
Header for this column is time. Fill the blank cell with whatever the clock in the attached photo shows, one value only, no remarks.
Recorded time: 9:03
